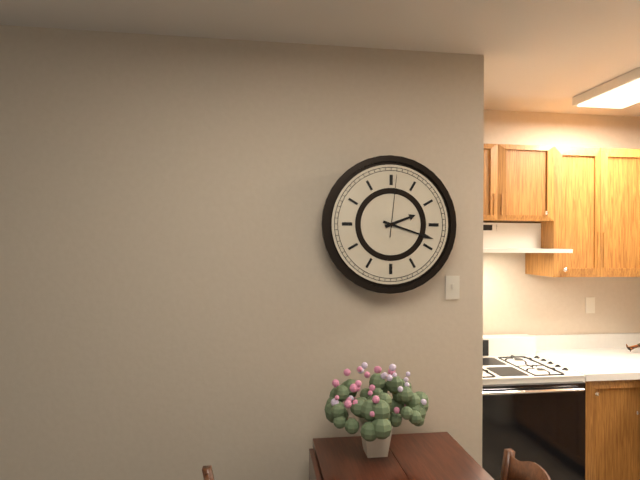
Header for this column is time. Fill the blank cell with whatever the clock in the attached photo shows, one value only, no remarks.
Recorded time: 2:18:01
